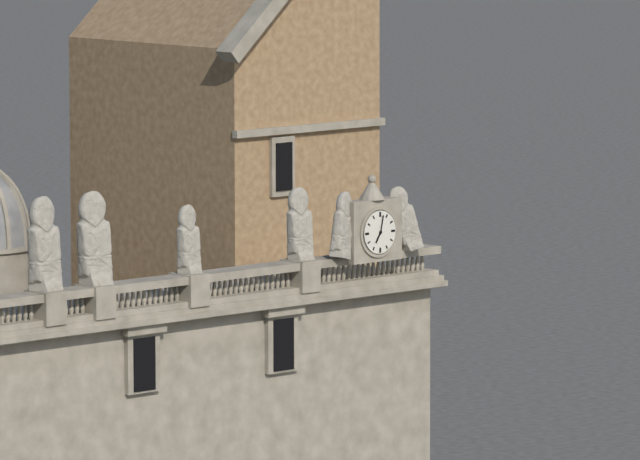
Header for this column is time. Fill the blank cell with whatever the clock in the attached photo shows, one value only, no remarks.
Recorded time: 7:02
